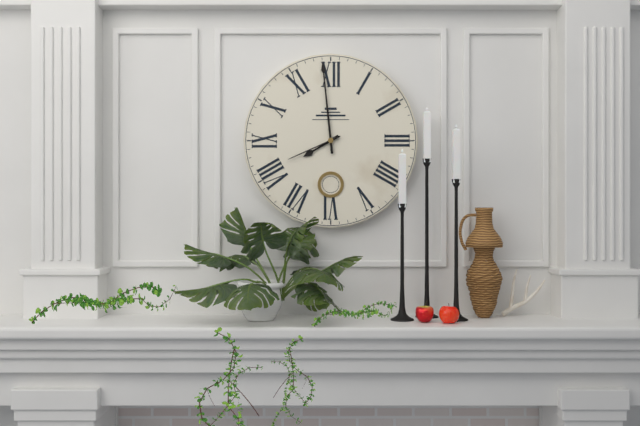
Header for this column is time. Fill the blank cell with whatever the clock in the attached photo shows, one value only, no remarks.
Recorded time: 7:59:41
